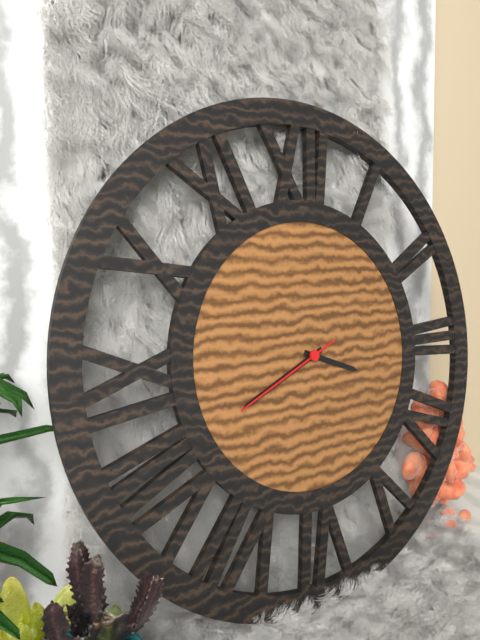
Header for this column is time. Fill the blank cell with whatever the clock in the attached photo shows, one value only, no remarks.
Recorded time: 3:41:41
